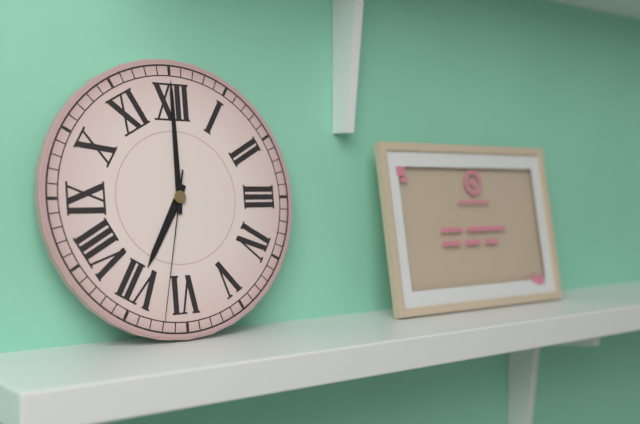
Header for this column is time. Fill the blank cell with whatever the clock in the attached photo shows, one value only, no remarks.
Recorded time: 7:00:32
